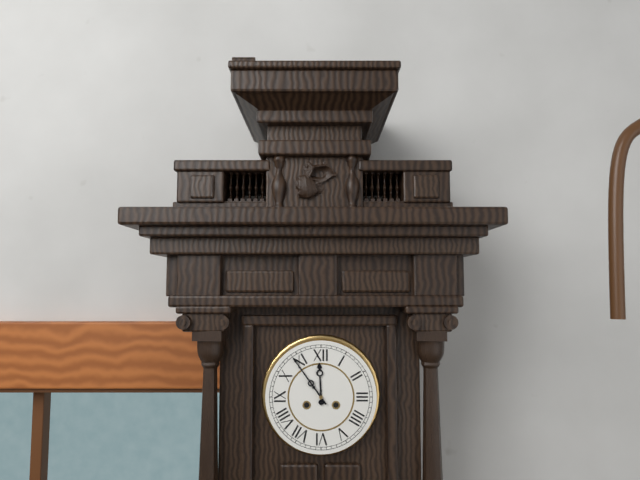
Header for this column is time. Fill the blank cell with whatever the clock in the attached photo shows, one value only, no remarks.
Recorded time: 11:54
